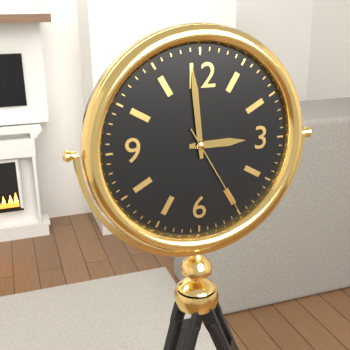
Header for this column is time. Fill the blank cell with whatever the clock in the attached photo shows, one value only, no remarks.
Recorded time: 2:59:25
